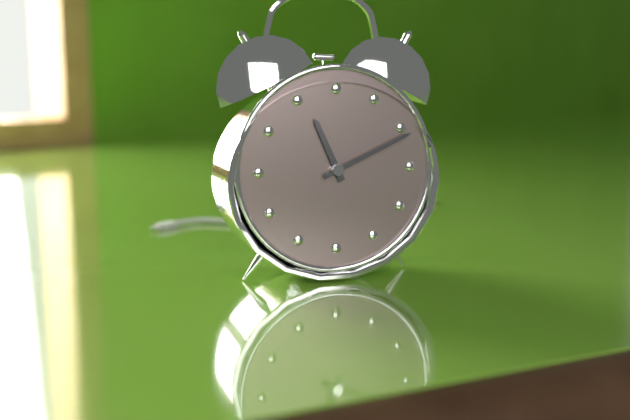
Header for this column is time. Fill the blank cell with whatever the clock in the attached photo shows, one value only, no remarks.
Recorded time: 11:11
